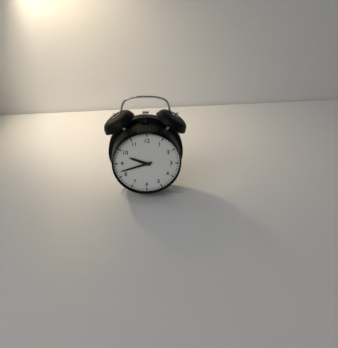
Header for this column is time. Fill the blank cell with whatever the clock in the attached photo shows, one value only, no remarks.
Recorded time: 9:42
